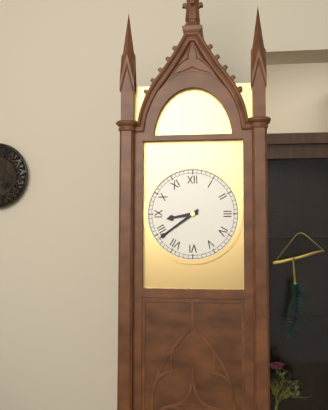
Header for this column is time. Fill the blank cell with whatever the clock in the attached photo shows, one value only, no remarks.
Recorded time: 8:39
